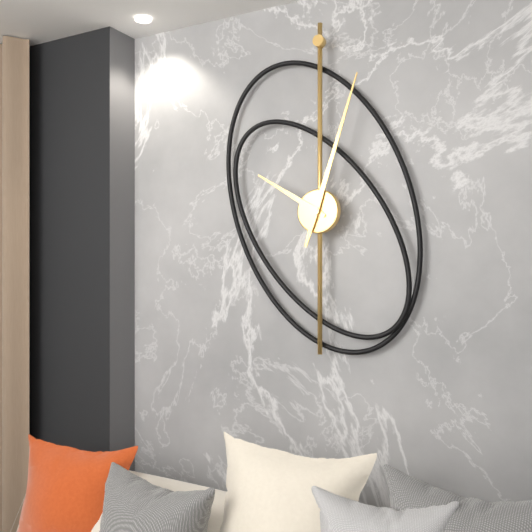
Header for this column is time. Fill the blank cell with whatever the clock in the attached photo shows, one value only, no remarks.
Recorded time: 10:03
